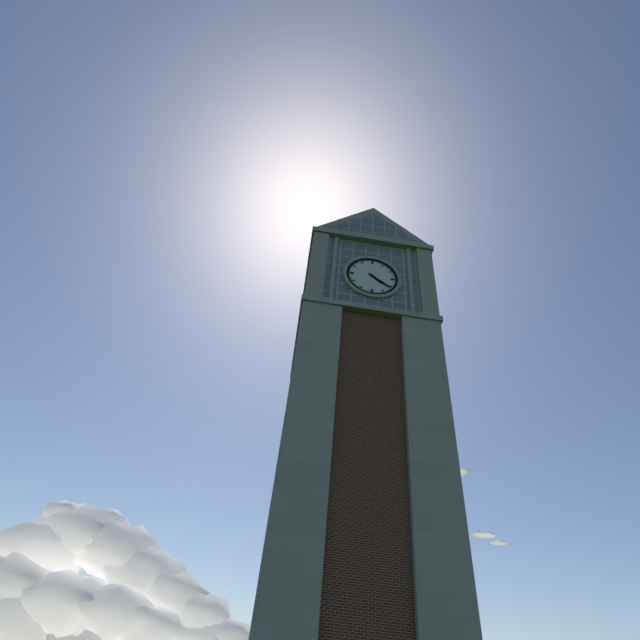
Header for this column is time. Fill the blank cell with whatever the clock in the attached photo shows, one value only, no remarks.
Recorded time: 4:21
